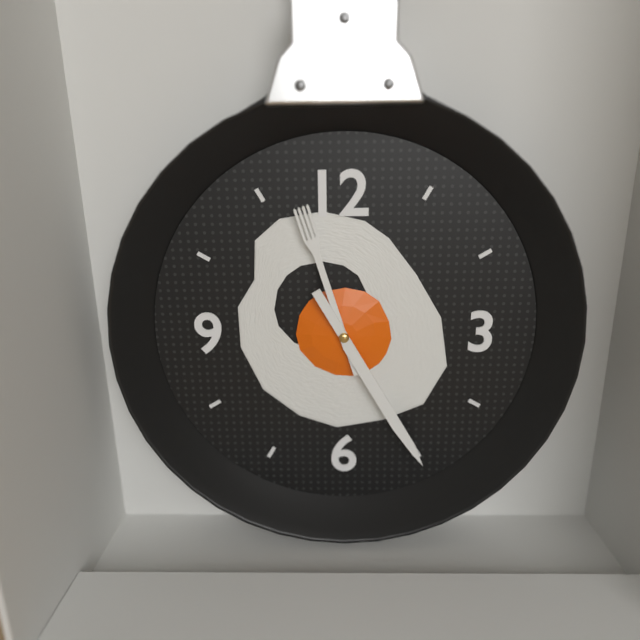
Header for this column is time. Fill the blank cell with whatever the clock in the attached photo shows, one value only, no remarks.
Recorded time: 11:25
